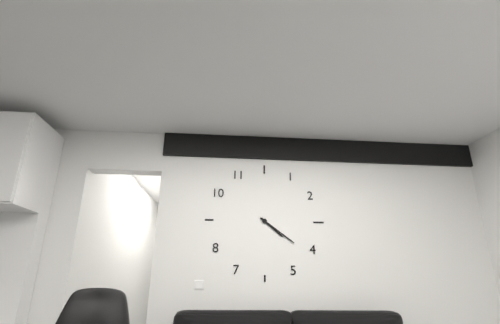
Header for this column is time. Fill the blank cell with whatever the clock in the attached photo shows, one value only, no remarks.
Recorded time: 4:21
